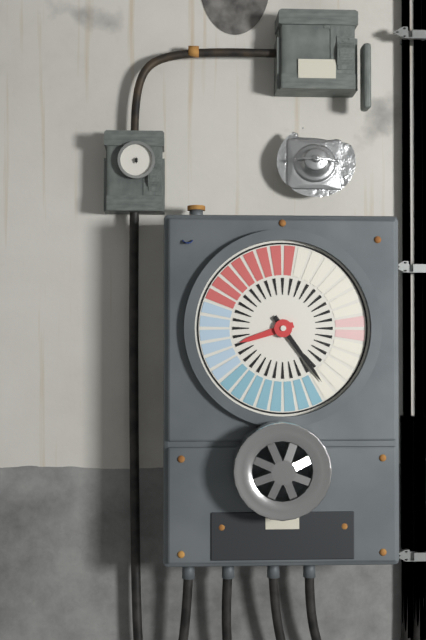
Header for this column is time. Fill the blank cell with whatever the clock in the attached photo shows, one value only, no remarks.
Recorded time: 8:24
